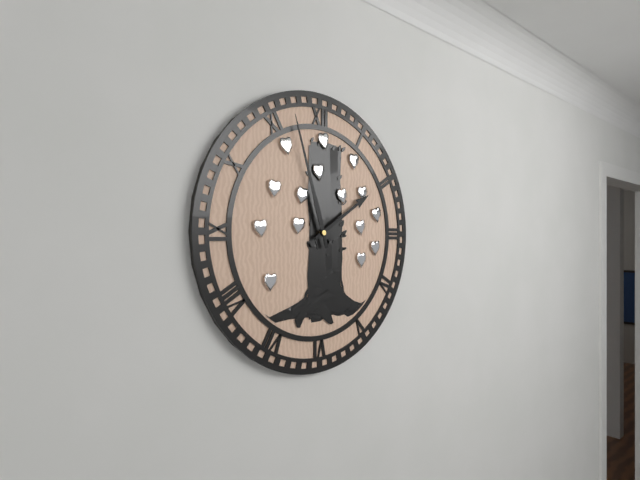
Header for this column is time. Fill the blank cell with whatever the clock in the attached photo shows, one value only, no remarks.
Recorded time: 1:57
